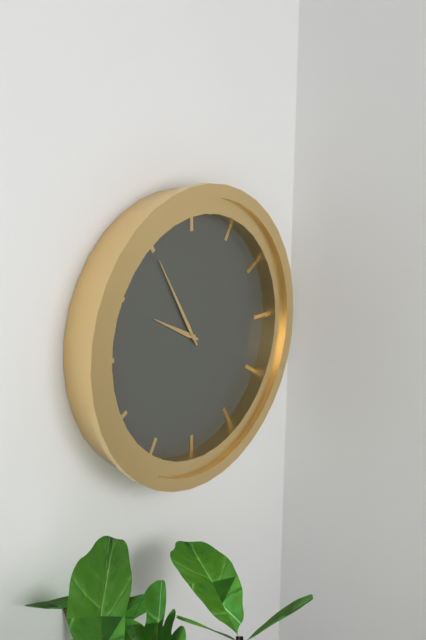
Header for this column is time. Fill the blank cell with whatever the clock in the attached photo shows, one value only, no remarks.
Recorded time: 9:55
